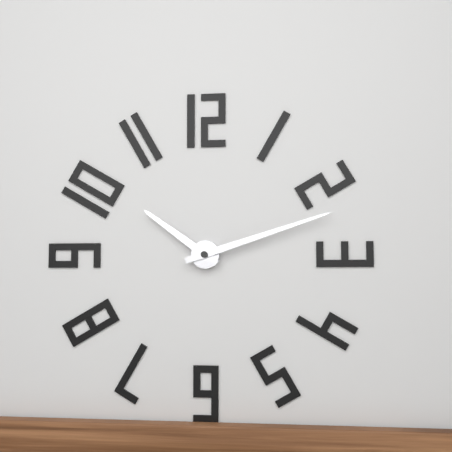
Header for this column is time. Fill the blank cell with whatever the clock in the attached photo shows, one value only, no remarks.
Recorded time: 10:12
